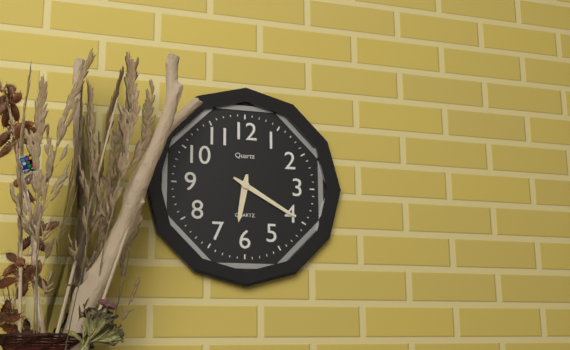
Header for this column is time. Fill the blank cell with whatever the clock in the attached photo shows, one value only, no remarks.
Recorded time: 6:20
